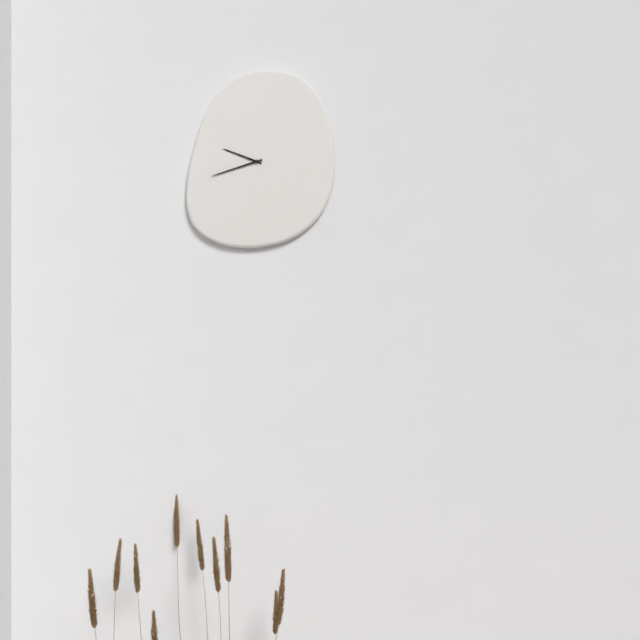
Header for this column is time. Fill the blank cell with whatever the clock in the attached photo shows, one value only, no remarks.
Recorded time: 9:42
